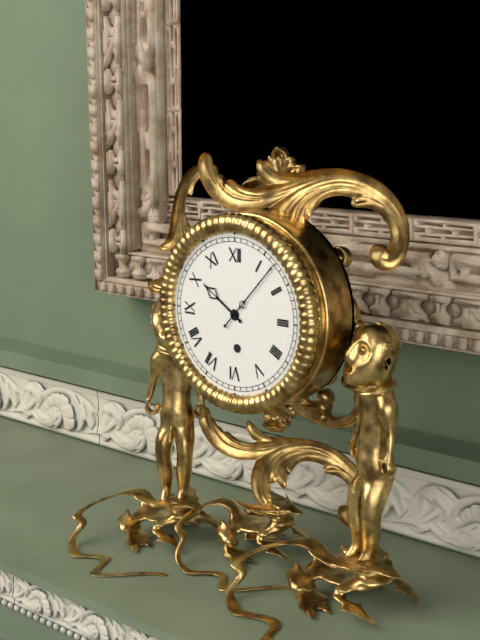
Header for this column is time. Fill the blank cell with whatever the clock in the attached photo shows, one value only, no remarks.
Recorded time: 10:07
